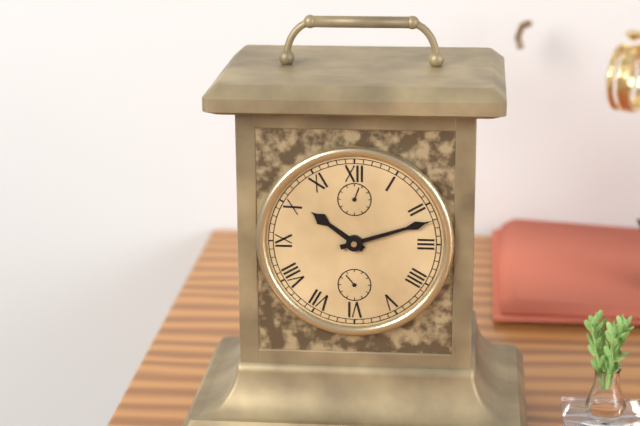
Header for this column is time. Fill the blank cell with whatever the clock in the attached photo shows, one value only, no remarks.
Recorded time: 10:12
